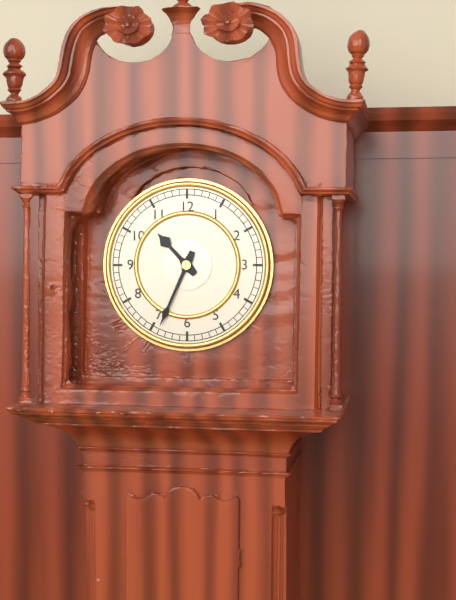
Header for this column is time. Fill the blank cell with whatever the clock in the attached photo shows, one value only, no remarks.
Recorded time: 10:34
